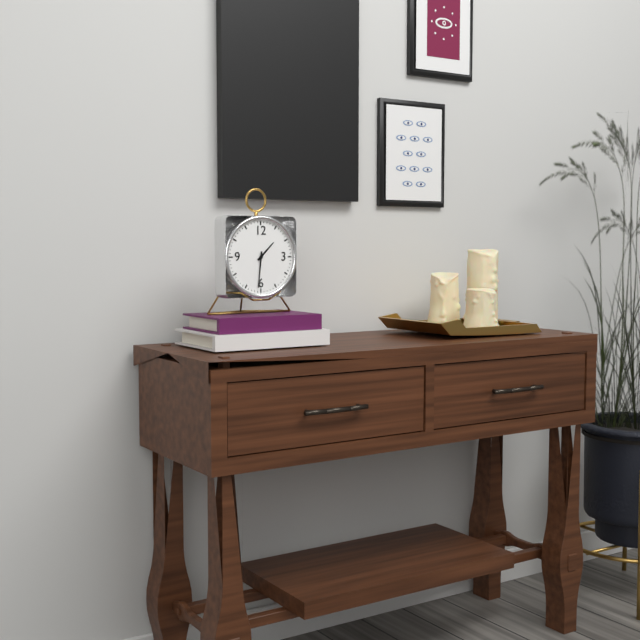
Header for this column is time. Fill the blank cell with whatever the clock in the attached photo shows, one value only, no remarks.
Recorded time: 1:31
